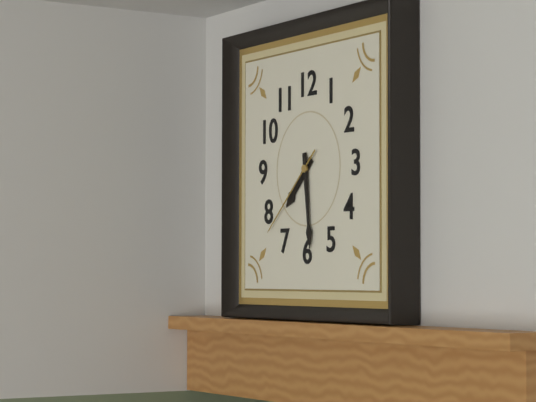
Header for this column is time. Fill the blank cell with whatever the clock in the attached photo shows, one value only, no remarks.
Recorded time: 7:29:38
